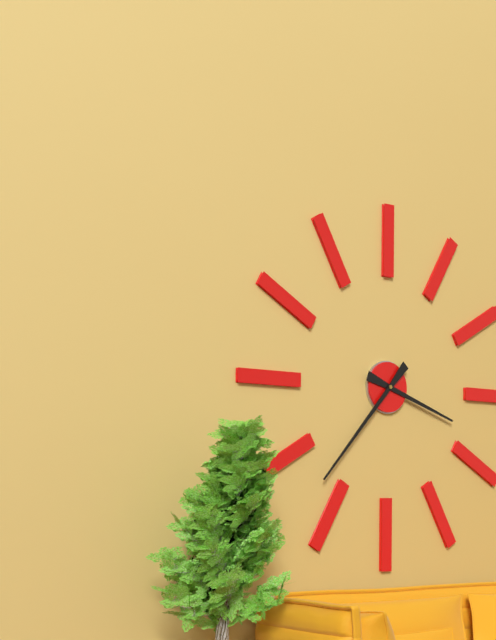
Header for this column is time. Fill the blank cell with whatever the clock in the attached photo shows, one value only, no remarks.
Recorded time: 3:37
